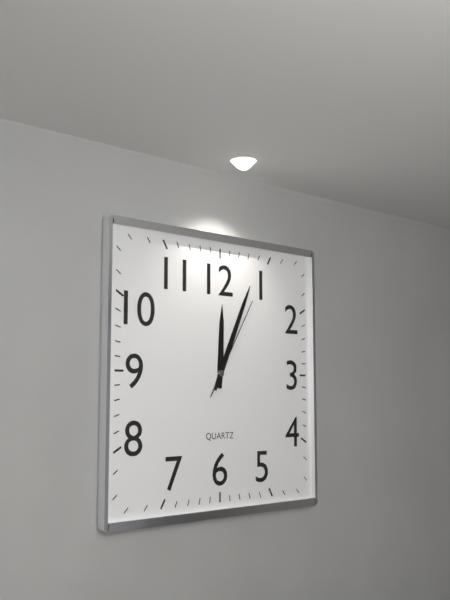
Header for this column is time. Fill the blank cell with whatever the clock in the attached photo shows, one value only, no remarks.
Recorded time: 12:04:05
